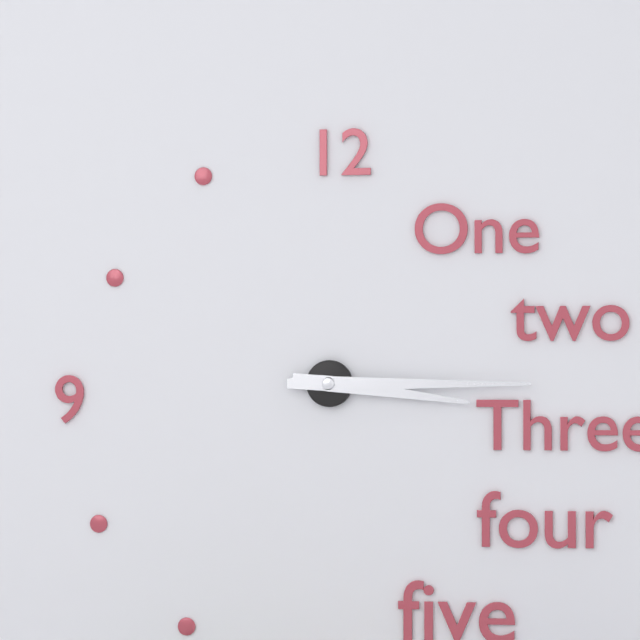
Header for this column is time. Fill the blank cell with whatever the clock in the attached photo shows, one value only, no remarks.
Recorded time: 3:15
